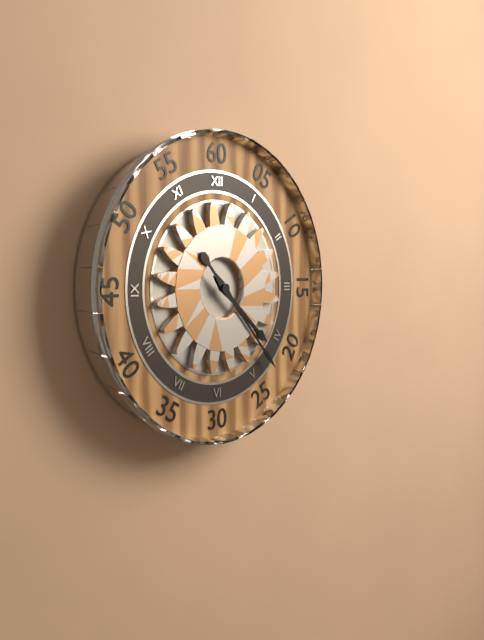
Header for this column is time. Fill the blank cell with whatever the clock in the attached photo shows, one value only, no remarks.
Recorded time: 4:23
